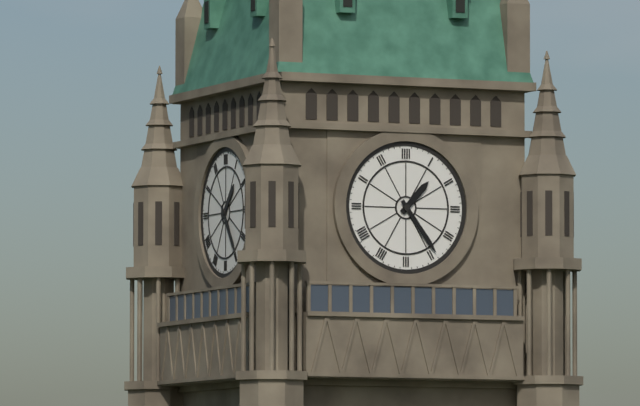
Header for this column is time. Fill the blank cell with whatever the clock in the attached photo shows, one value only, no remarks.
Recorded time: 1:24
